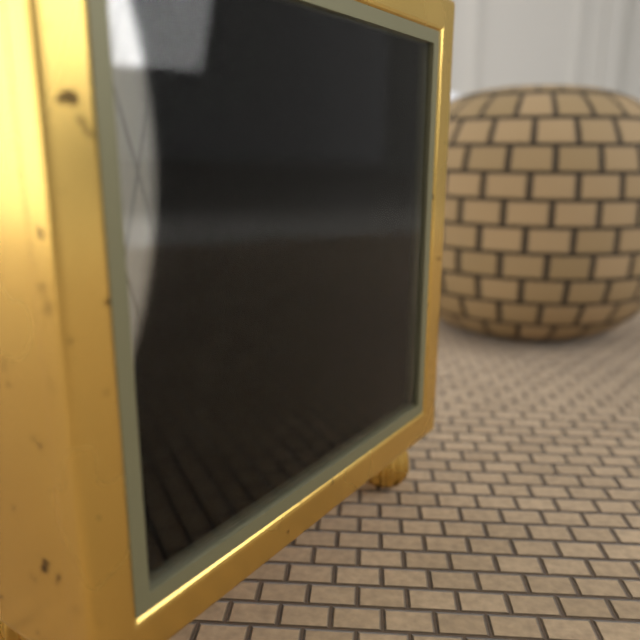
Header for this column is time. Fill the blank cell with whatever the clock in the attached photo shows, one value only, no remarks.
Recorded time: 5:51
